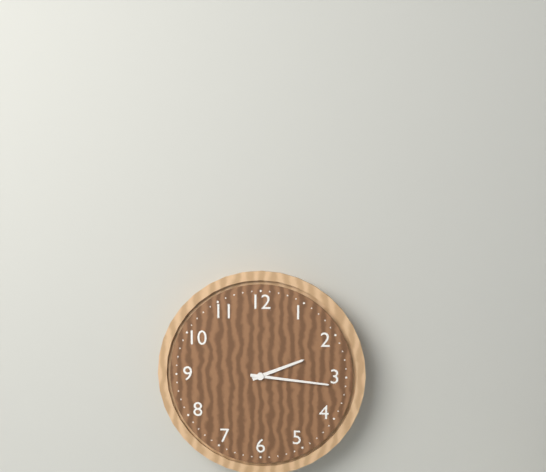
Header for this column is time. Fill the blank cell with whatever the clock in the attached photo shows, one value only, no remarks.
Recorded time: 2:16
